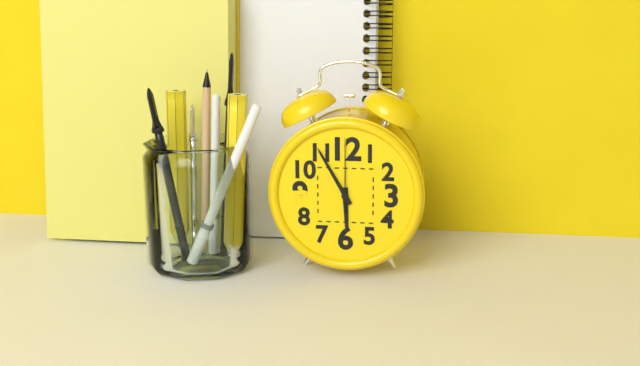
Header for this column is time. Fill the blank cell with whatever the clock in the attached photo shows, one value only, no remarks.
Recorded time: 5:55:00
